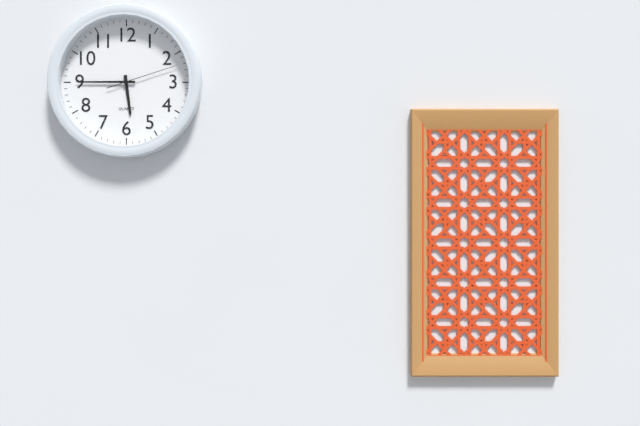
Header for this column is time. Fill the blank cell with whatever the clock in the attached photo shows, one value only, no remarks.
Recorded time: 5:45:12
